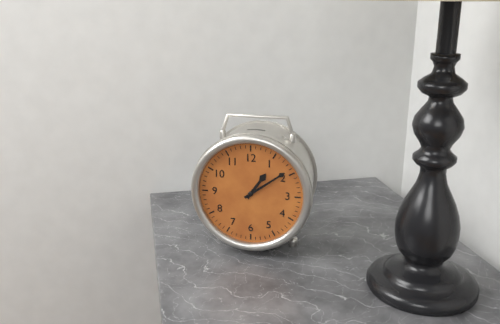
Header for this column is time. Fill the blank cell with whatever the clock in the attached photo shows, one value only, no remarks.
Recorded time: 1:09
